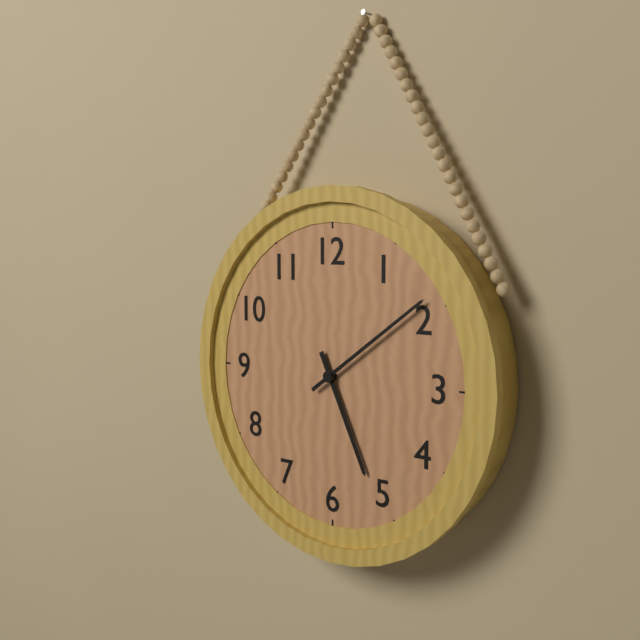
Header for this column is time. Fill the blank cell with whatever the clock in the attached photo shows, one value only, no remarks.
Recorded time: 5:09
